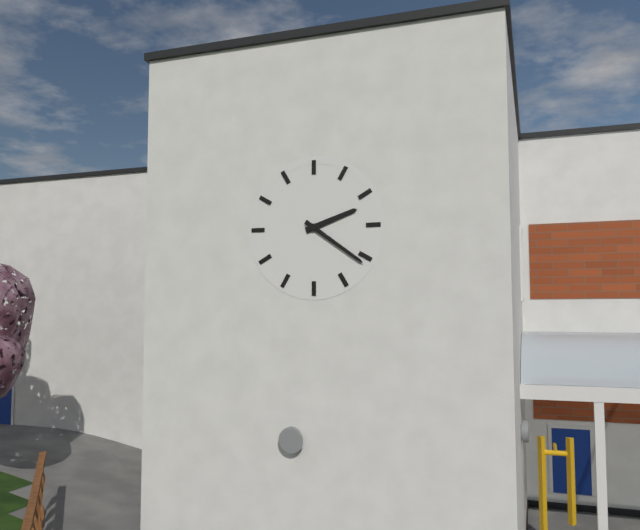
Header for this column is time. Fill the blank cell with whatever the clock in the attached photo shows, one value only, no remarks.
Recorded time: 2:21
